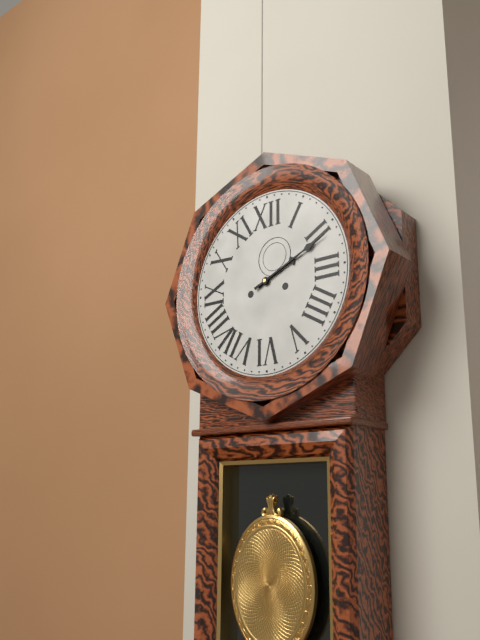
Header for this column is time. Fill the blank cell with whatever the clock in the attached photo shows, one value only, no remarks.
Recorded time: 2:11
